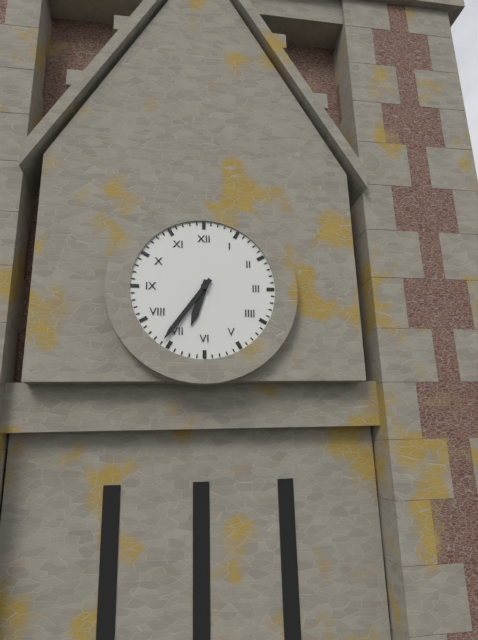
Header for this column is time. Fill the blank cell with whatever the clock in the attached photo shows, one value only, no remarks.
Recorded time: 6:36
